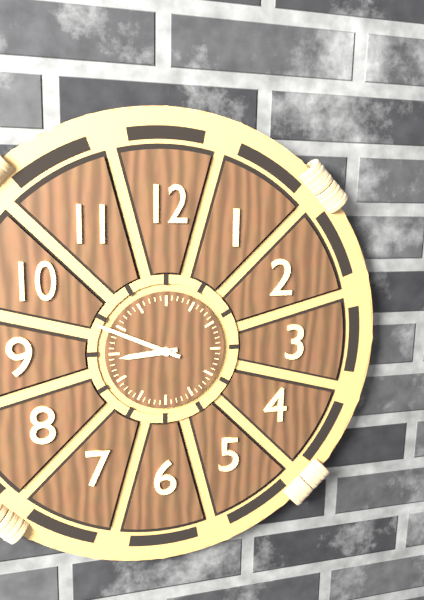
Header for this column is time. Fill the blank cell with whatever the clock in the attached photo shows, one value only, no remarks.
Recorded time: 8:49
